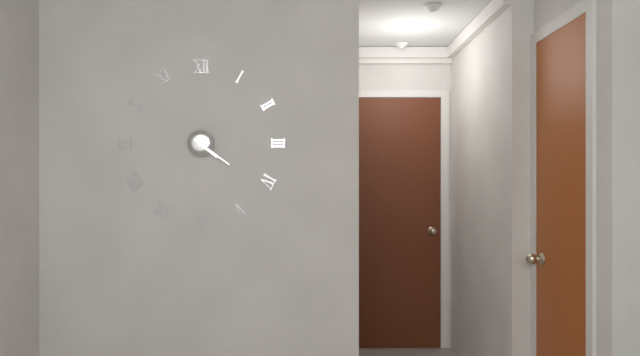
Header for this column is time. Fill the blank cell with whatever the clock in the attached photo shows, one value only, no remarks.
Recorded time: 4:21
